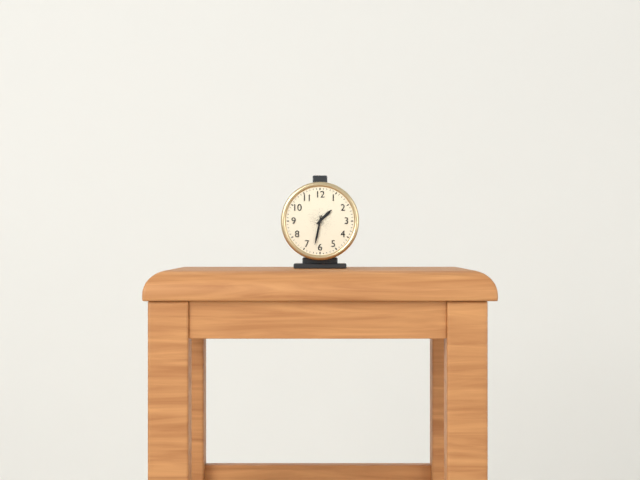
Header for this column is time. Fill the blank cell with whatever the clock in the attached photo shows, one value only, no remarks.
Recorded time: 1:32
